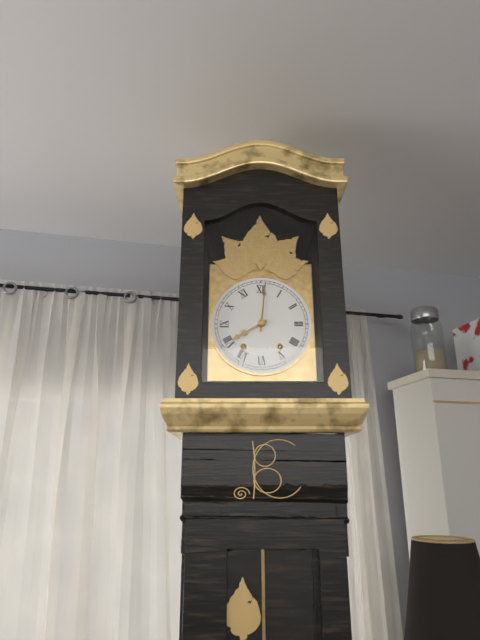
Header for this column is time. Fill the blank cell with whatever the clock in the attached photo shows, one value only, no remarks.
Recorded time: 8:01
